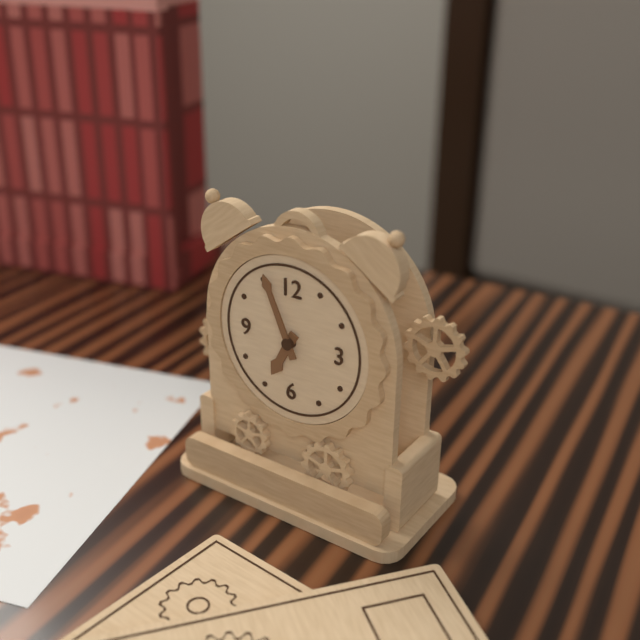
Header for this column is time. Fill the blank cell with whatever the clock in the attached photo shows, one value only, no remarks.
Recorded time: 6:56
